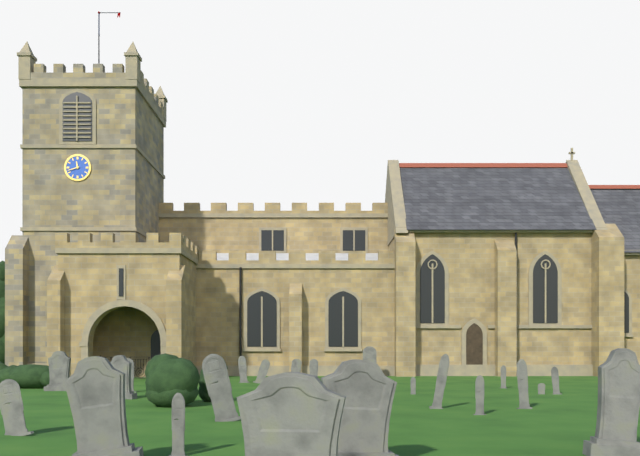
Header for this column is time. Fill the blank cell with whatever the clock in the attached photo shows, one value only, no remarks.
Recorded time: 11:42
